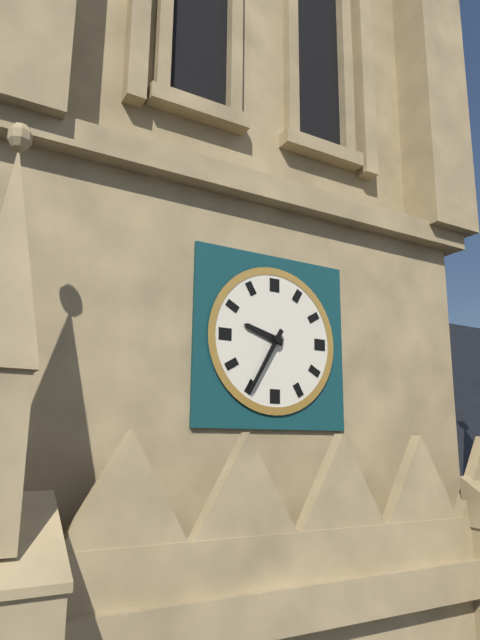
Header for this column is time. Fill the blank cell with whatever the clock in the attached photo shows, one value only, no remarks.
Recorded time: 9:35
